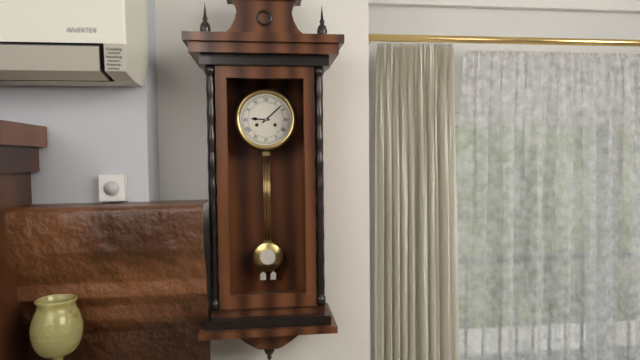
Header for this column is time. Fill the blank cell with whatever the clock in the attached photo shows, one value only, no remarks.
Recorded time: 9:08
